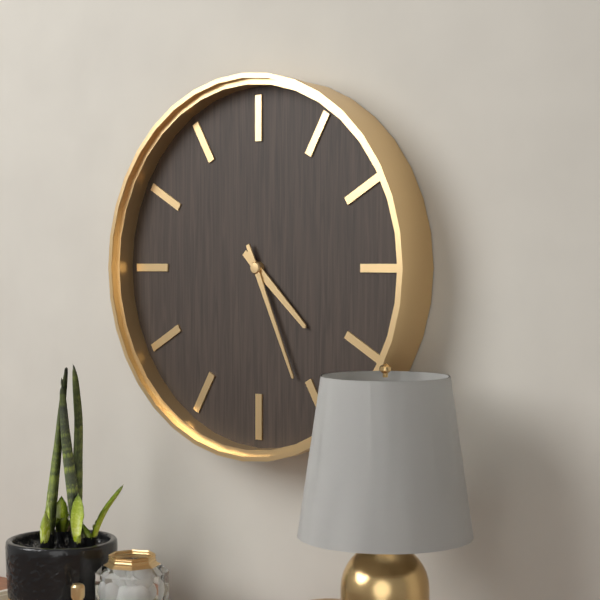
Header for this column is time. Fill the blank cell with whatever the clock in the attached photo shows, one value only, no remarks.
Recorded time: 4:26
